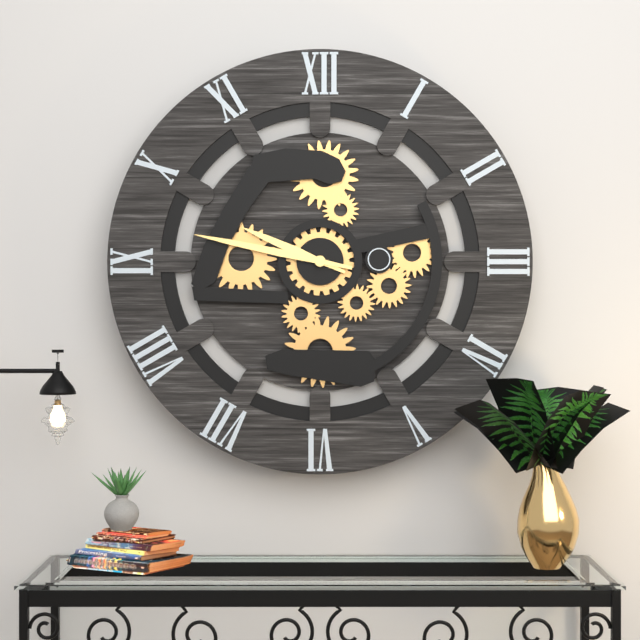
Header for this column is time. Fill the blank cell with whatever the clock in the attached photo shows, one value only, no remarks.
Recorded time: 9:47
